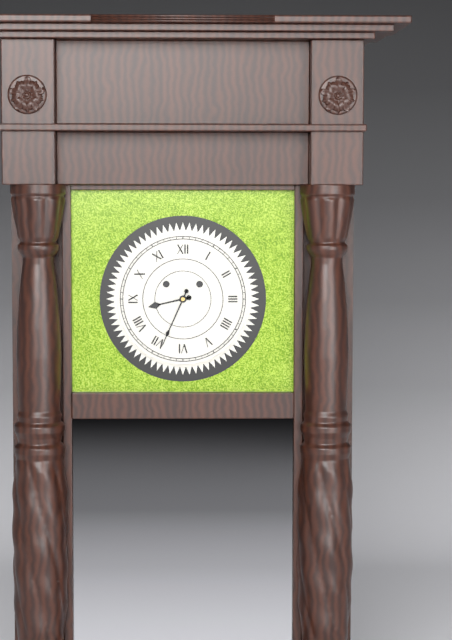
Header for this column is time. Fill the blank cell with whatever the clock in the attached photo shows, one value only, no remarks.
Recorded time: 8:34
